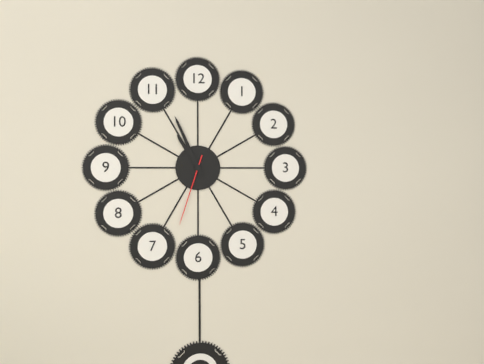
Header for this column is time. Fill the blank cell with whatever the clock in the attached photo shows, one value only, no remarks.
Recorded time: 10:56:33
